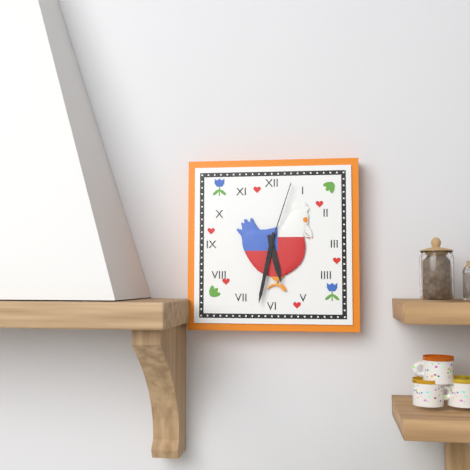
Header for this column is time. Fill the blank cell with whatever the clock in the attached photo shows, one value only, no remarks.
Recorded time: 5:32:03
